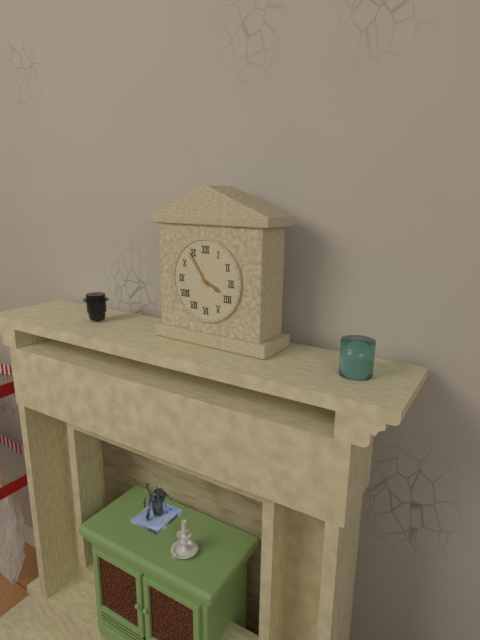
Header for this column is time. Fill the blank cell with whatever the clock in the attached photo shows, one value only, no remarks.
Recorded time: 3:54
